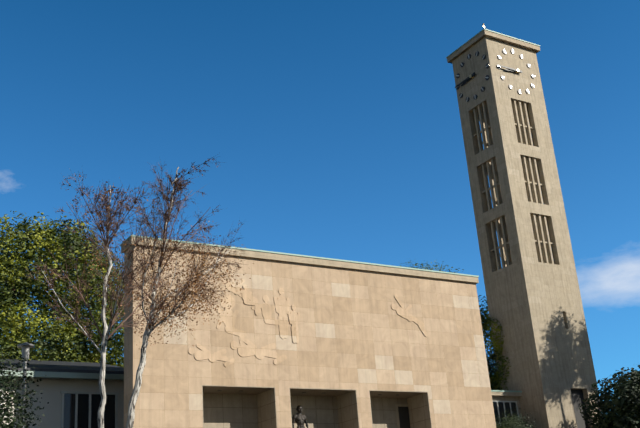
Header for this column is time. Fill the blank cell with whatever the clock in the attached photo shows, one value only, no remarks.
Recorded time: 8:45
